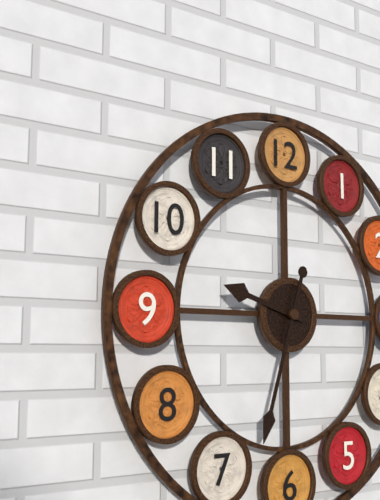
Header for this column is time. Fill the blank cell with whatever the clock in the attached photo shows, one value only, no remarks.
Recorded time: 9:33
